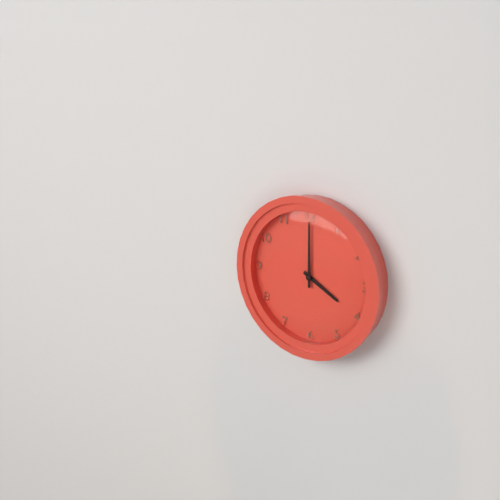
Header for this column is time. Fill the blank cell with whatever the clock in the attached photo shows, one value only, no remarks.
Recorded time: 4:00
